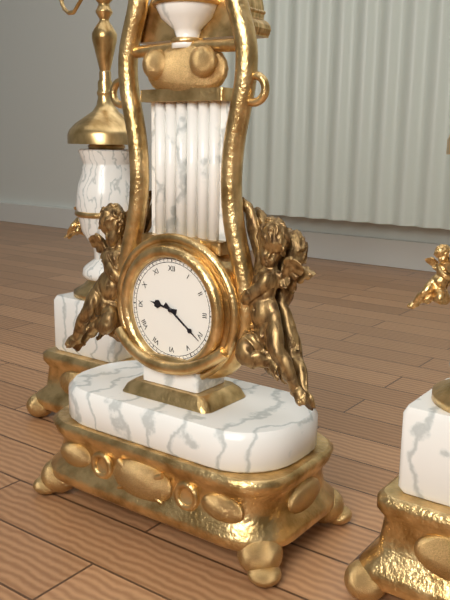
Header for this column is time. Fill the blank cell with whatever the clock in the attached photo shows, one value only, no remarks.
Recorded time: 9:21
